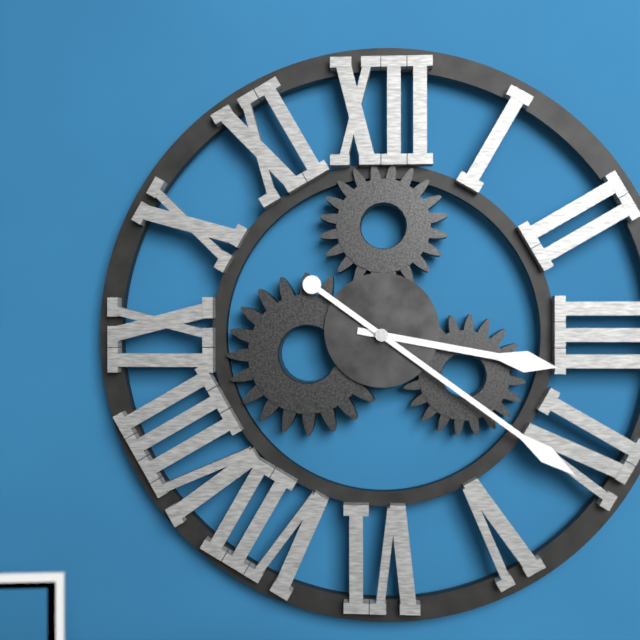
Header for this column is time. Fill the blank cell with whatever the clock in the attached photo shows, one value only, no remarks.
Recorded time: 3:21
